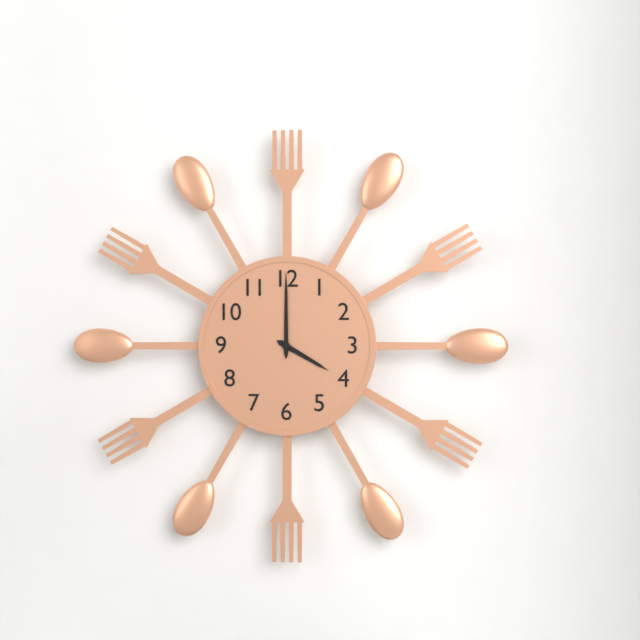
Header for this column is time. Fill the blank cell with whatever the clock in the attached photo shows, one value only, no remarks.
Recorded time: 4:00
